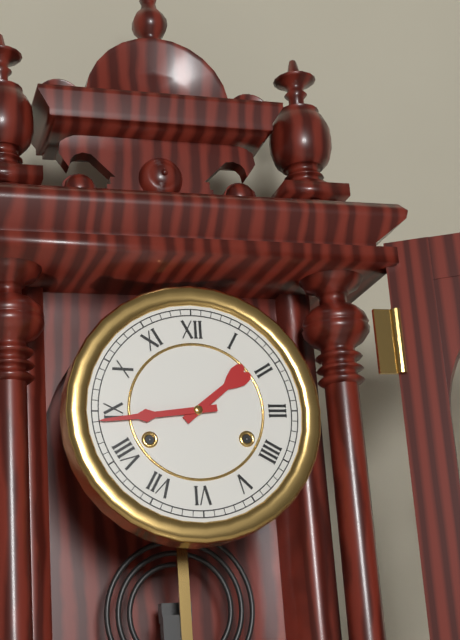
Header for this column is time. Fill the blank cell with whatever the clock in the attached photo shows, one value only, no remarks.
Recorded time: 1:44
